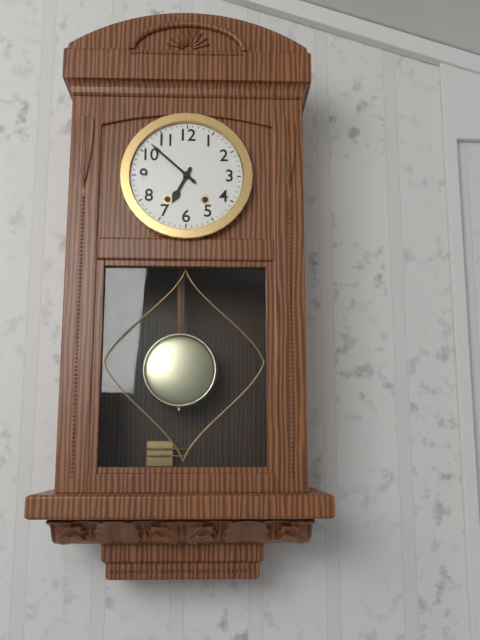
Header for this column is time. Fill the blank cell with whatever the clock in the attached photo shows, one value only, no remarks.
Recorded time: 6:52
